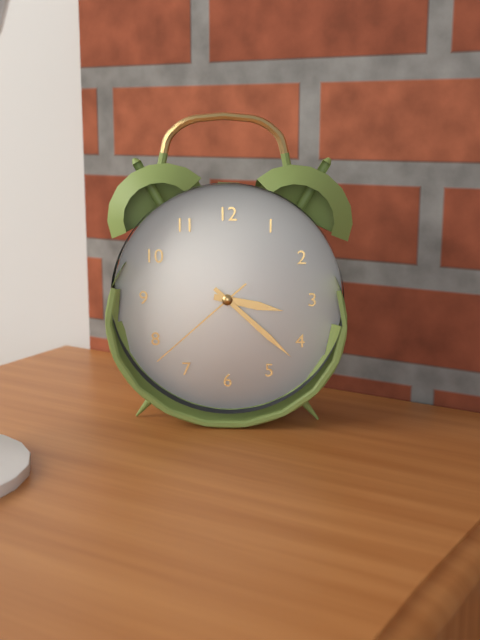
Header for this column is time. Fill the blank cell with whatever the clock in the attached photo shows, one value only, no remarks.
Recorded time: 3:22:38
